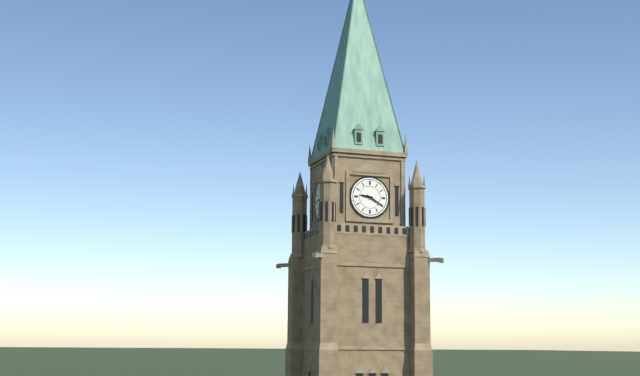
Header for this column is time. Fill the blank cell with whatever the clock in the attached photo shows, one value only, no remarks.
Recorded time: 9:20
